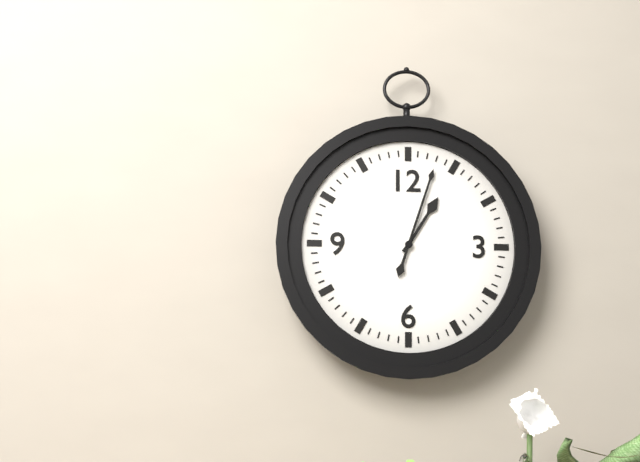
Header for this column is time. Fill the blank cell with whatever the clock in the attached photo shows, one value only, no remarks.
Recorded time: 1:03
